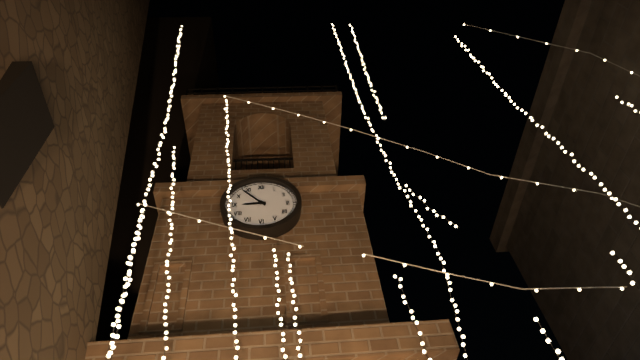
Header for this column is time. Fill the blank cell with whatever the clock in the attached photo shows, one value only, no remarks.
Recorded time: 8:53
